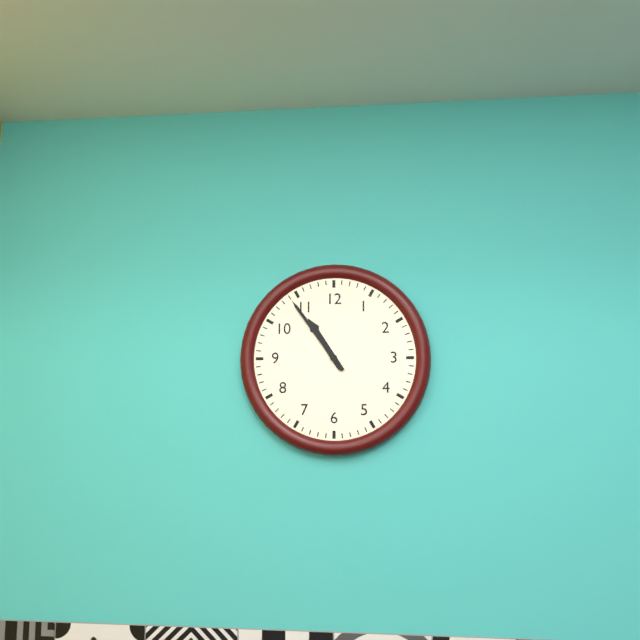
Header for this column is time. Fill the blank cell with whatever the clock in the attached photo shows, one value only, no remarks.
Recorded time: 10:54
